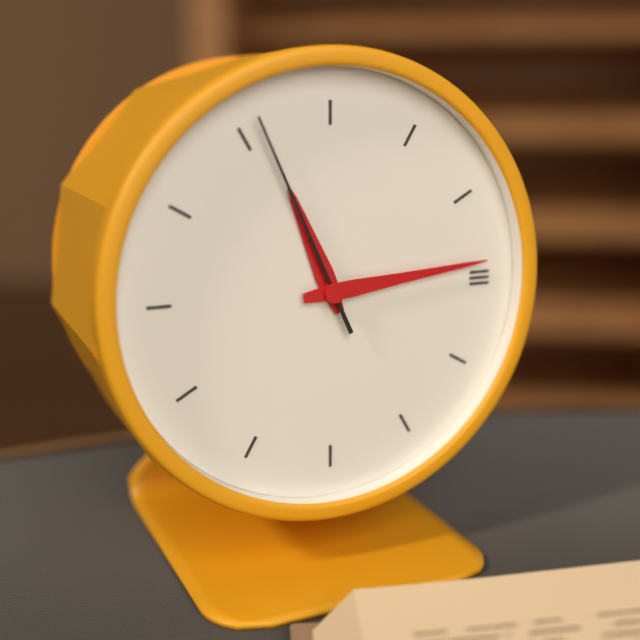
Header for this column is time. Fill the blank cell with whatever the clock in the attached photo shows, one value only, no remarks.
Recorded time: 11:14:56
